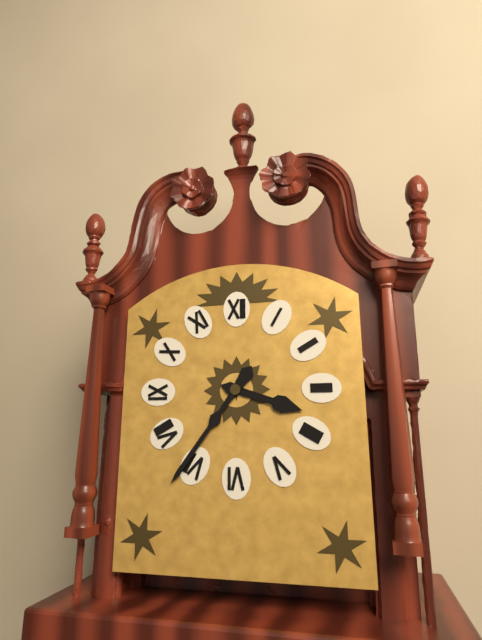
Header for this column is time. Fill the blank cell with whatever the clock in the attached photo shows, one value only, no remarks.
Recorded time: 3:36
